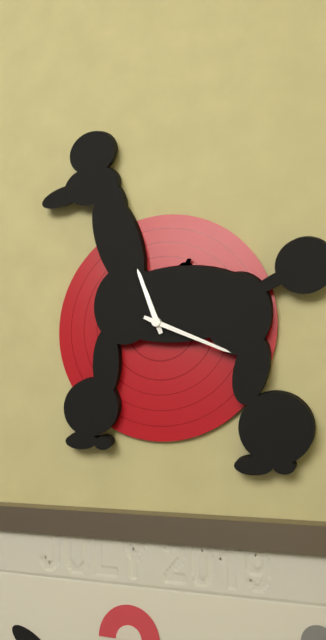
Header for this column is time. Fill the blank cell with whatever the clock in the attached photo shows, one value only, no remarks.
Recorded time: 11:19
